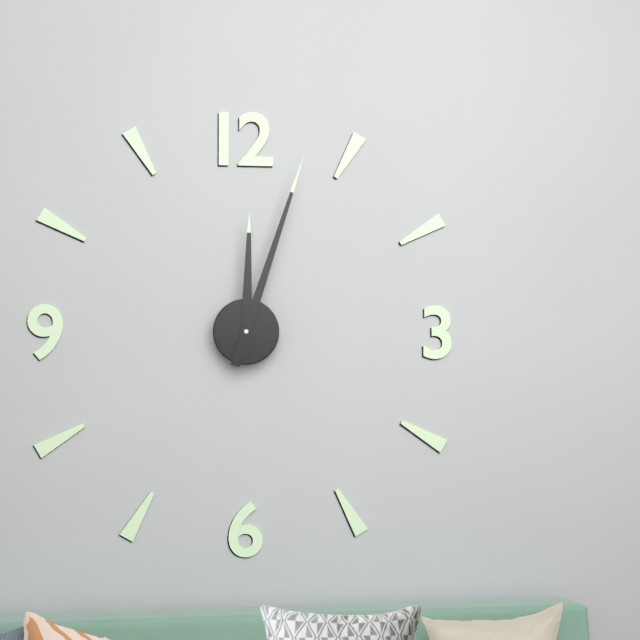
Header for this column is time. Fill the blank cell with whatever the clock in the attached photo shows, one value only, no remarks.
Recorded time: 12:03
